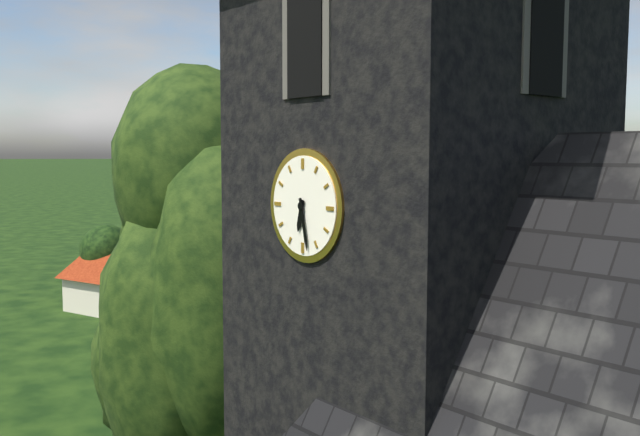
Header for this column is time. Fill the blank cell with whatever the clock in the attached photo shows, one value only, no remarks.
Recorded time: 6:28
